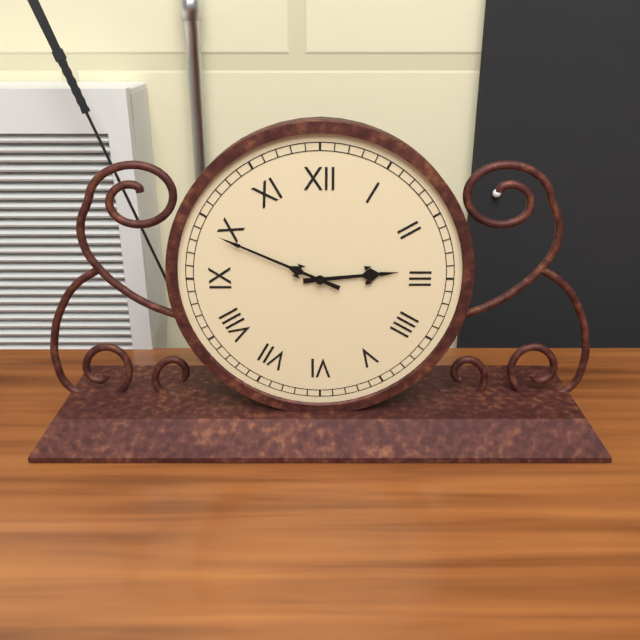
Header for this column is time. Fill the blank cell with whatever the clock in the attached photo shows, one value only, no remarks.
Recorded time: 2:49
